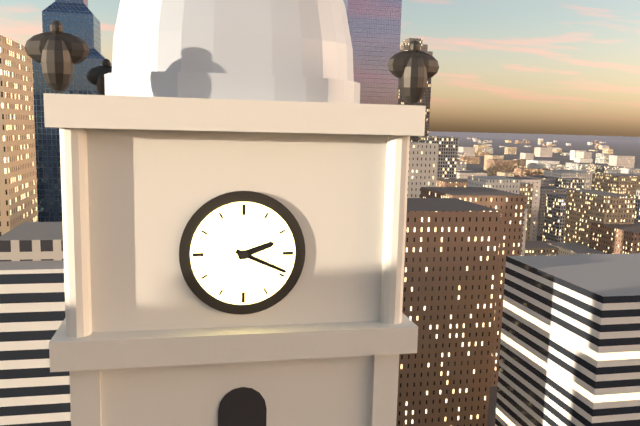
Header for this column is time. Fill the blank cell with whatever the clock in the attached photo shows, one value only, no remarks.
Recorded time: 2:19
